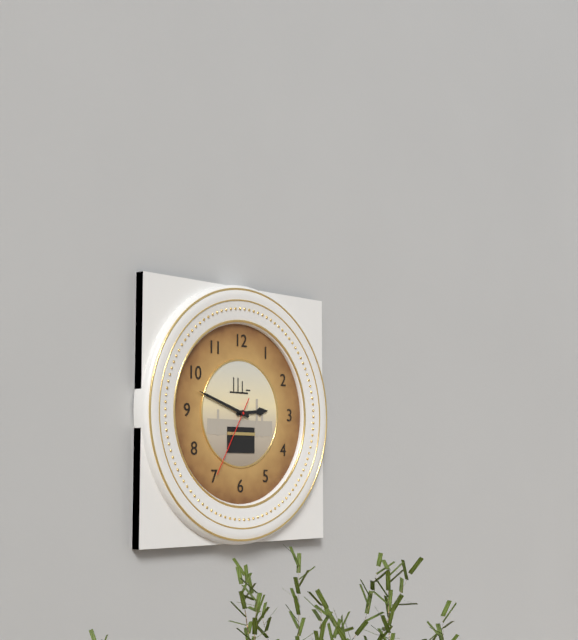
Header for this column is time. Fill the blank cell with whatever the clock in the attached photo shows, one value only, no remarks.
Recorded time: 2:48:35
